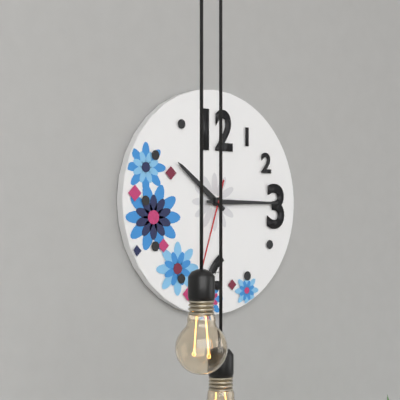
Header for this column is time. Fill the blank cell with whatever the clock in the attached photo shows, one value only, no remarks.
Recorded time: 10:15
